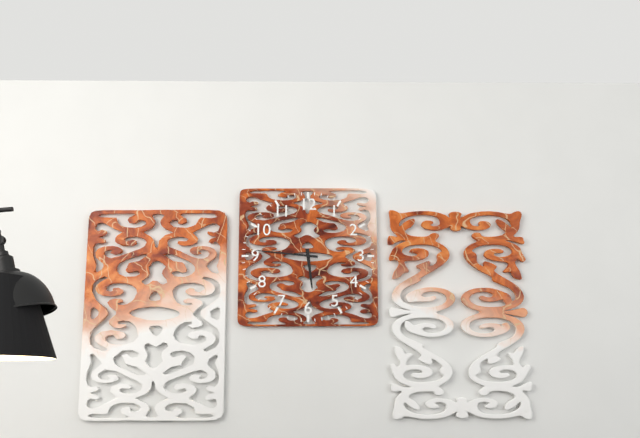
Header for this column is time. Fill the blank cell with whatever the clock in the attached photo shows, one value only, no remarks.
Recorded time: 5:46
